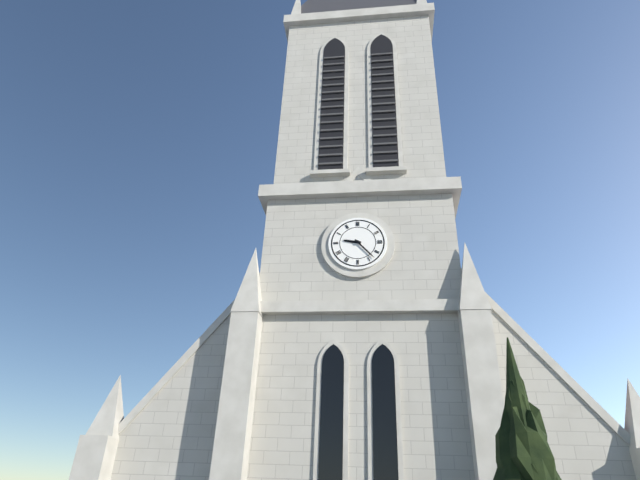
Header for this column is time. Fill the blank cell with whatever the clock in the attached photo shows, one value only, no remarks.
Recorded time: 9:23
